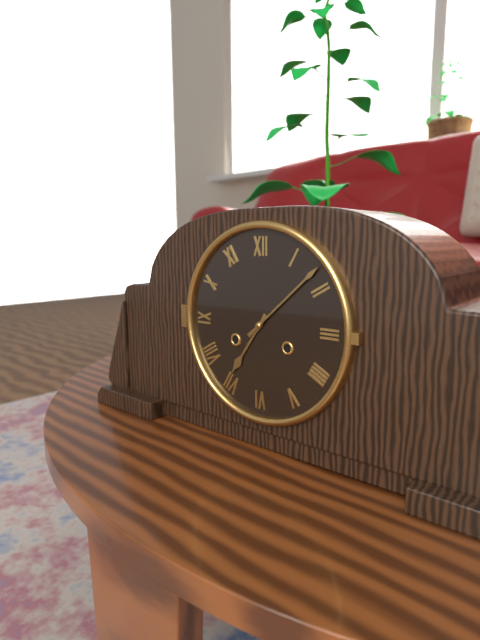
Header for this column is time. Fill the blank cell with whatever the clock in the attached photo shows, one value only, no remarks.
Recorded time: 7:08
